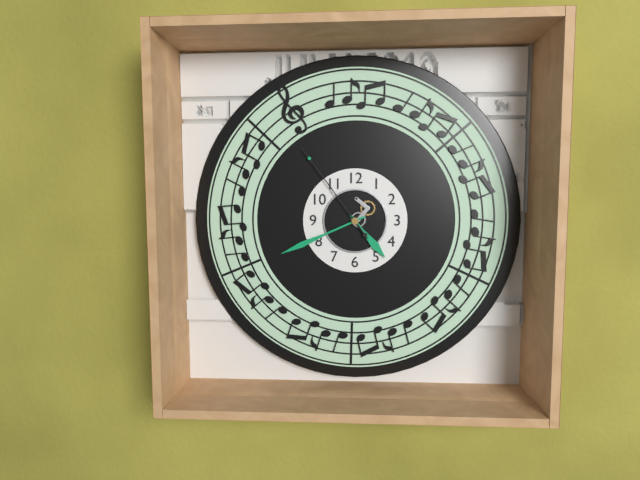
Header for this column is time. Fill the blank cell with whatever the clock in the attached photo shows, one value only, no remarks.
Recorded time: 4:41:54
